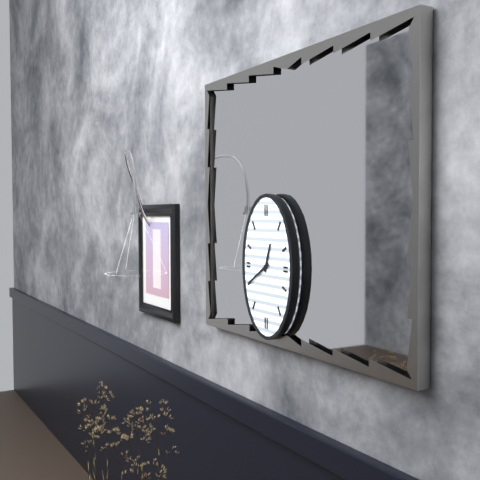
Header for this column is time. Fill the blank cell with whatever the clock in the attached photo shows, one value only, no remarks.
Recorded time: 12:40
